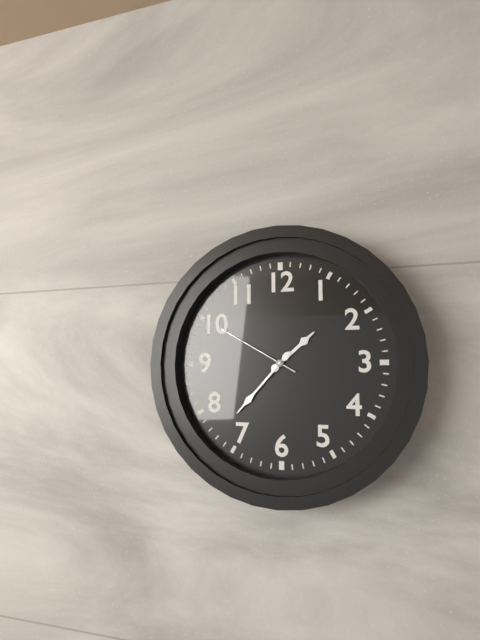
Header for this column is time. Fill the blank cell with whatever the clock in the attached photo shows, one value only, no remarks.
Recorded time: 1:37:50
